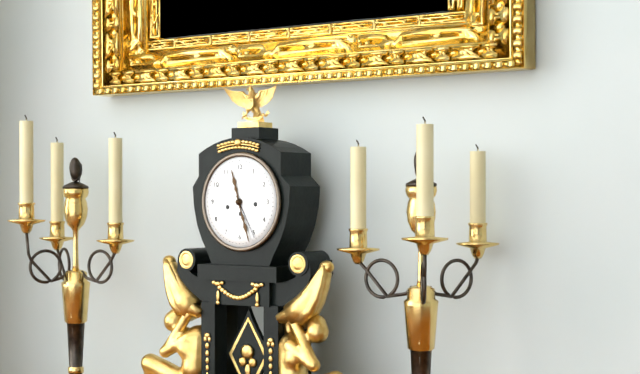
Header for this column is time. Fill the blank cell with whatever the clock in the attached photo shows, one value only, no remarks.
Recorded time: 11:27
